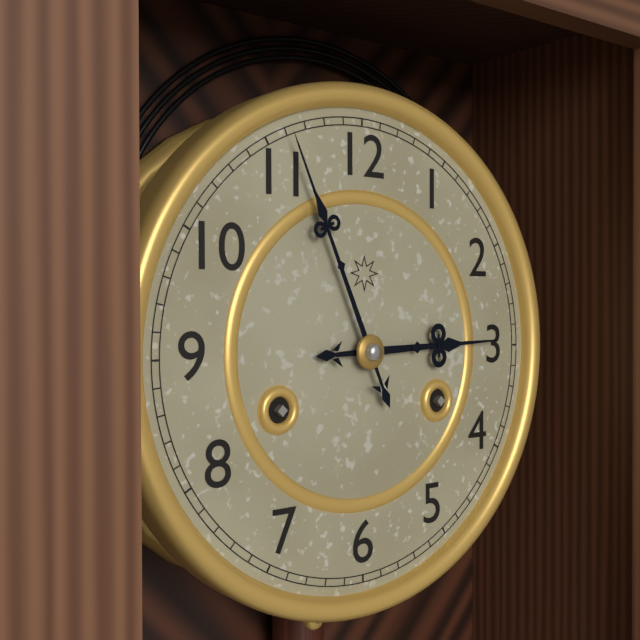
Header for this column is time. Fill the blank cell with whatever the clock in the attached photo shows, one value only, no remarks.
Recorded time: 2:56
